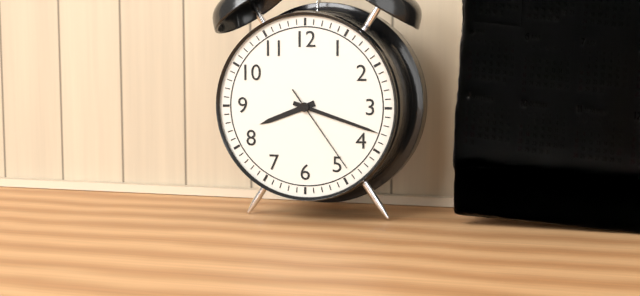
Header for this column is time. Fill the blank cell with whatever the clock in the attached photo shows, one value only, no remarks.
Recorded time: 8:18:24
